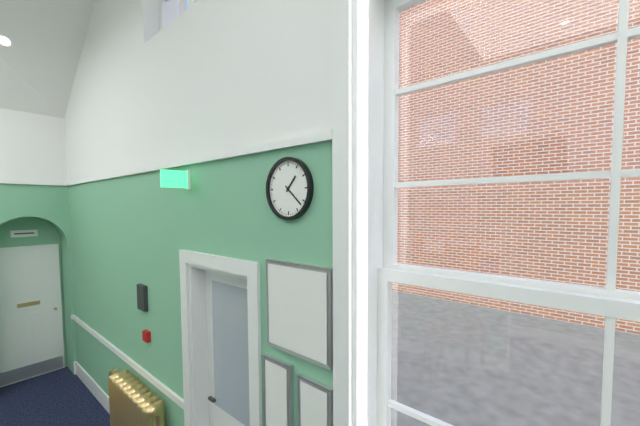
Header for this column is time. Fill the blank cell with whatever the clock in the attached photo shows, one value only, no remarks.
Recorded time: 1:22
